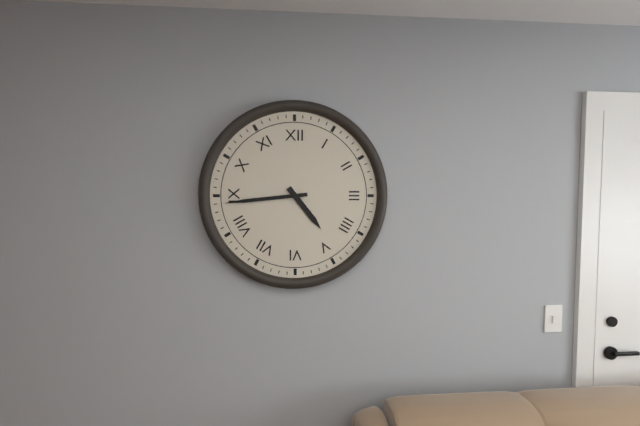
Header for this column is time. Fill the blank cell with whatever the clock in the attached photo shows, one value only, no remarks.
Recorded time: 4:44
